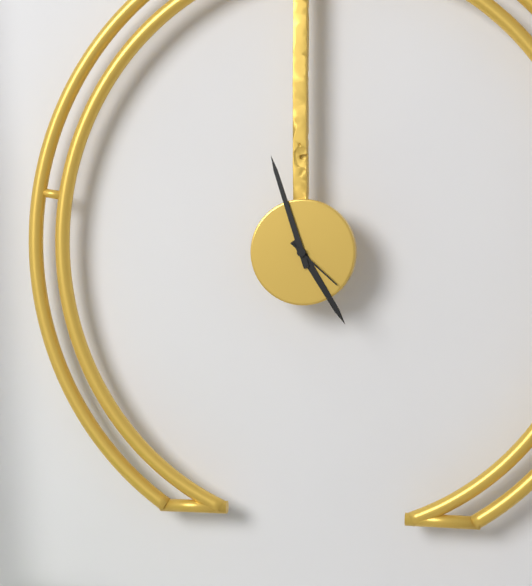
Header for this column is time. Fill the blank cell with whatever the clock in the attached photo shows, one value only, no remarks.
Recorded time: 4:57:22
